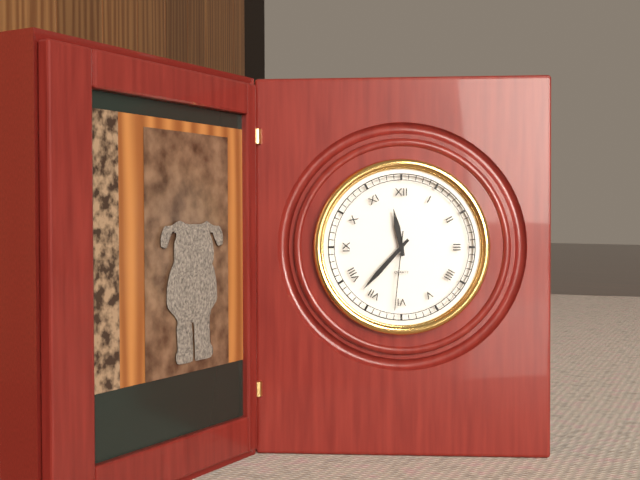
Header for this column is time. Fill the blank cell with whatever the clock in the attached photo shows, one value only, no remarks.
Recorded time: 11:37:31
